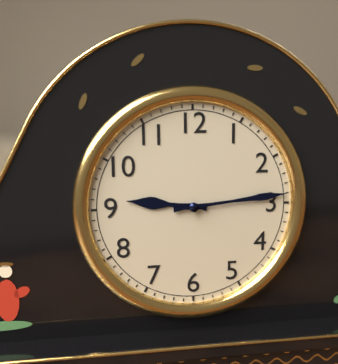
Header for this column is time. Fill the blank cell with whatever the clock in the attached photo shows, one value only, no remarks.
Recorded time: 9:14
